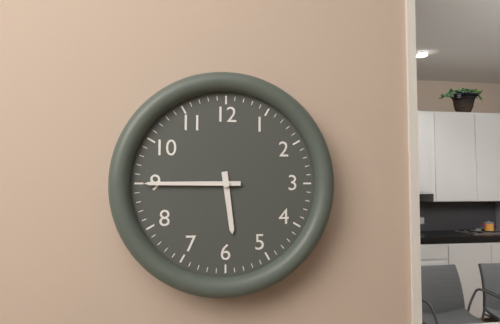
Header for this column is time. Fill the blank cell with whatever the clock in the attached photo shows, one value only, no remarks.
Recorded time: 5:45
